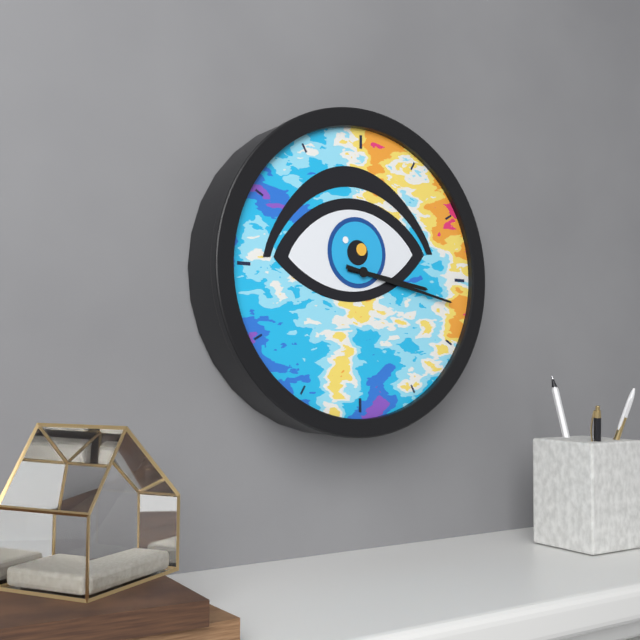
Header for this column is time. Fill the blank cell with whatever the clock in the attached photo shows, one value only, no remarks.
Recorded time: 3:17
